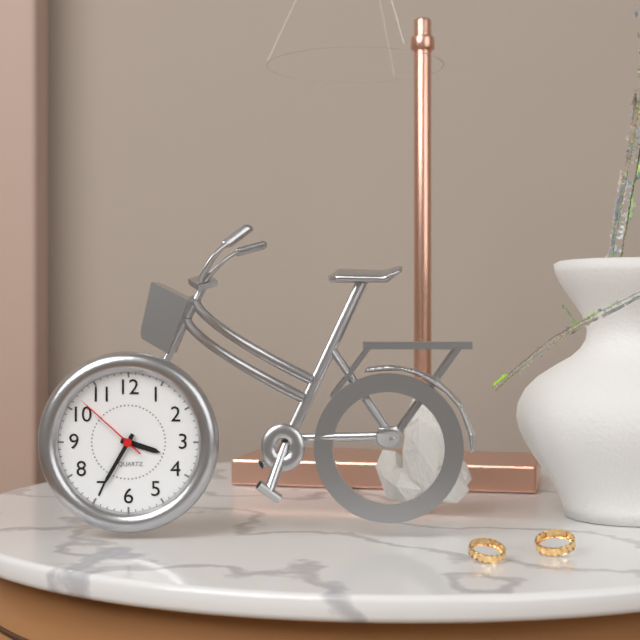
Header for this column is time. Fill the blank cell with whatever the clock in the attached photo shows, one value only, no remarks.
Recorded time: 3:35:52
